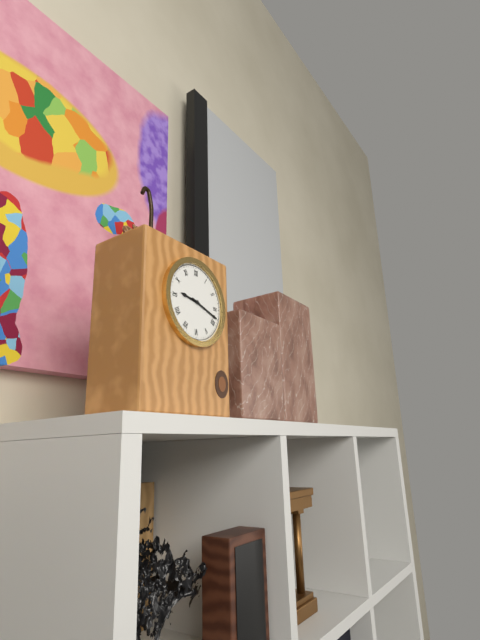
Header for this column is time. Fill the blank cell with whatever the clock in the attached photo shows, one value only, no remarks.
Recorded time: 9:18
